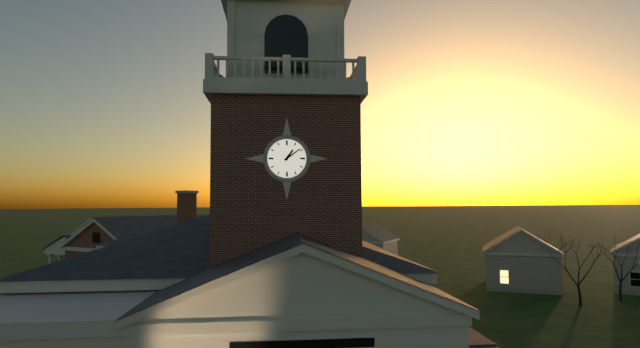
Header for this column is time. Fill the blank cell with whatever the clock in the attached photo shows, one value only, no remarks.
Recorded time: 1:09
